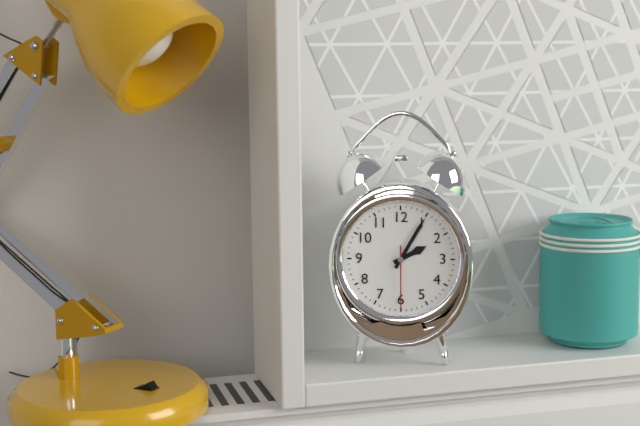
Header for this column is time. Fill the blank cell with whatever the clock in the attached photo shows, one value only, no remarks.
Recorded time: 2:05:30
